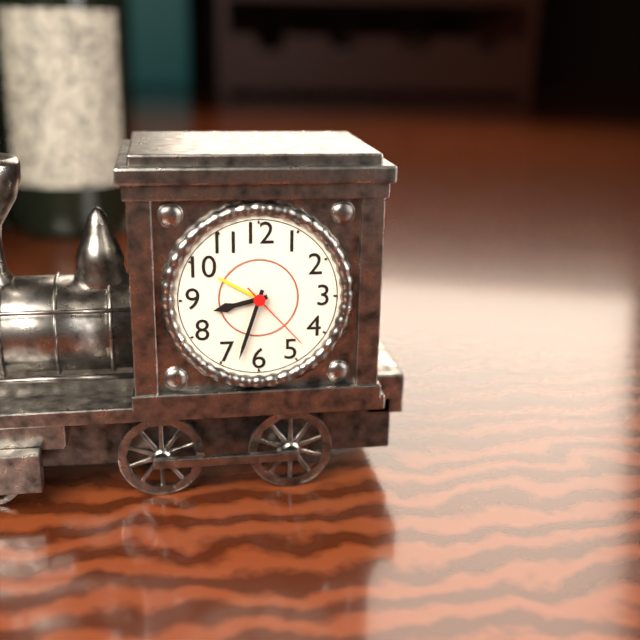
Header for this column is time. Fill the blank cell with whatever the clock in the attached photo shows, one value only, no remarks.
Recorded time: 8:33:23
